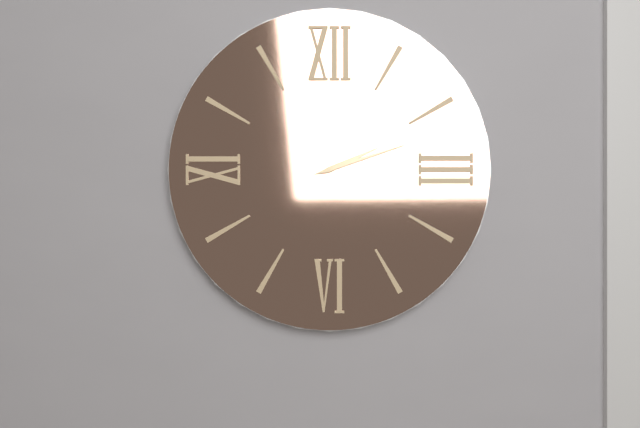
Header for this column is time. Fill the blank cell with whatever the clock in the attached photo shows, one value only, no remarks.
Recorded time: 2:12
